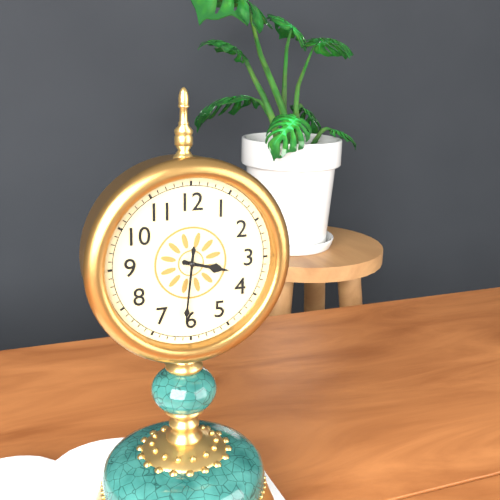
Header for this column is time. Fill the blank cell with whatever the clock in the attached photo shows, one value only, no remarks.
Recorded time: 3:31
